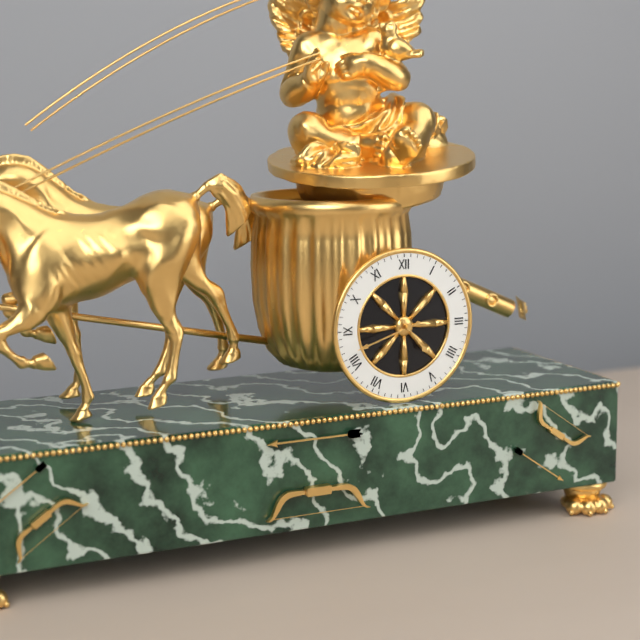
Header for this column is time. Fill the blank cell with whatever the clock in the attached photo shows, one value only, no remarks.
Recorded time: 4:42
